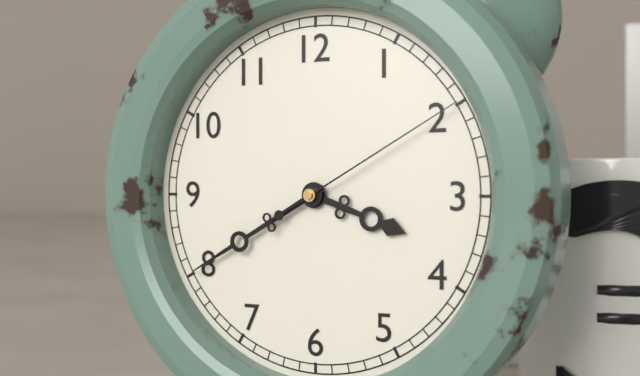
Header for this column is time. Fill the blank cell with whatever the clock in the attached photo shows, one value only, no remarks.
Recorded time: 3:40:10
